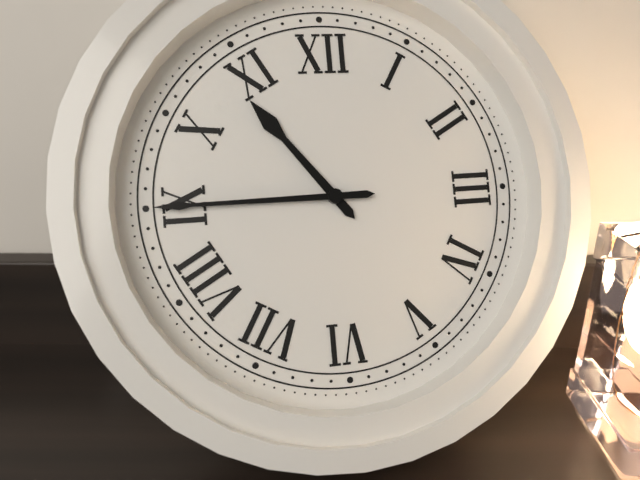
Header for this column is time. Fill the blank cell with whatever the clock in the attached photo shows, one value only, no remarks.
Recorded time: 10:45
